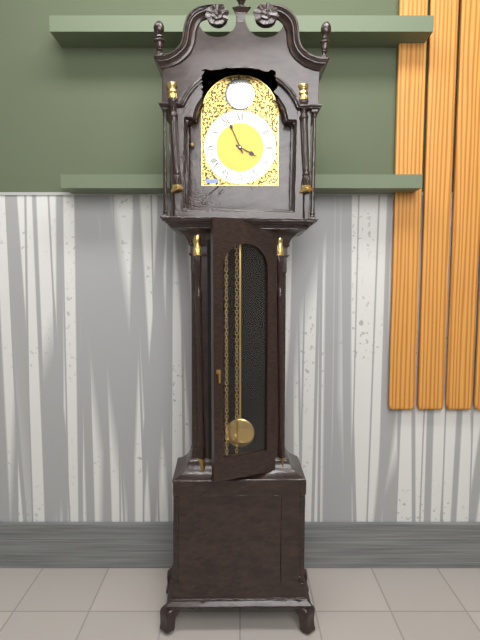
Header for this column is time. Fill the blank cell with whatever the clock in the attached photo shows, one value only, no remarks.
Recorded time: 3:56
